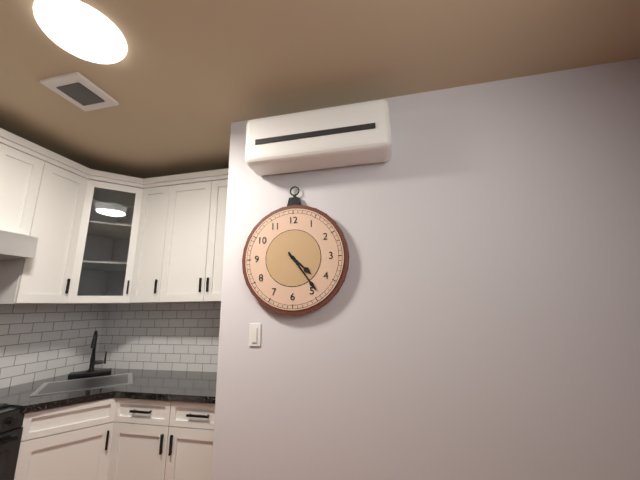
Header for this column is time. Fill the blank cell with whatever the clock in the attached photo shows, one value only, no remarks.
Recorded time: 4:24
